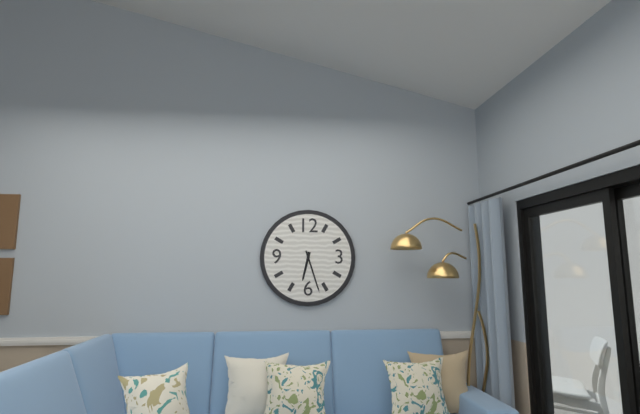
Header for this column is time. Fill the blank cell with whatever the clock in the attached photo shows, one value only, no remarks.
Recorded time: 6:27
